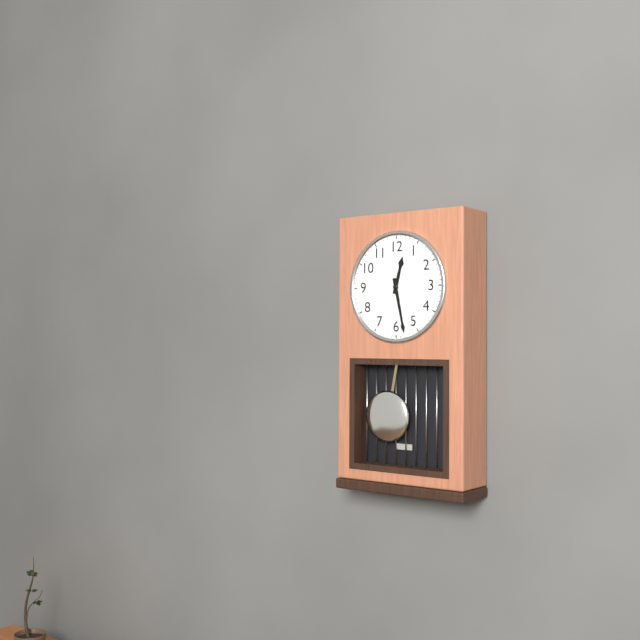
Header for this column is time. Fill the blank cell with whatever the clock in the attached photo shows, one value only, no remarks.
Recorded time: 12:28
